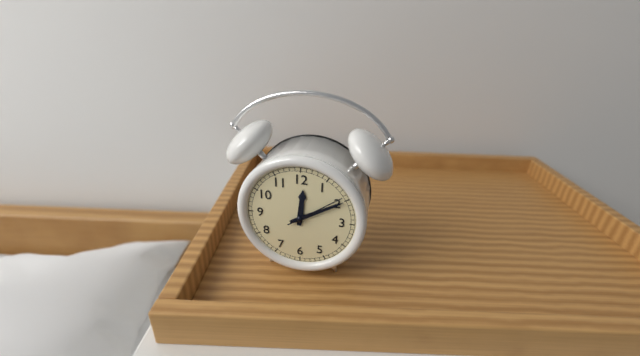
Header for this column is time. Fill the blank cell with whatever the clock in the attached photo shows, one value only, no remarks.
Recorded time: 12:10:09
